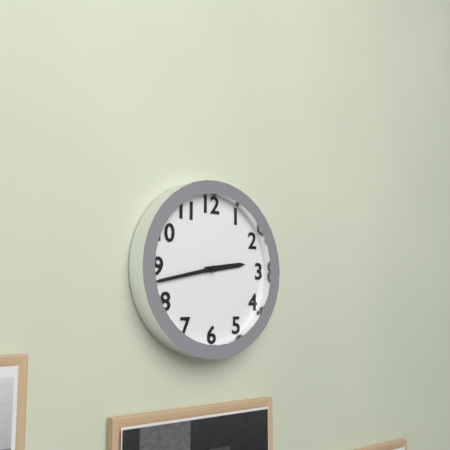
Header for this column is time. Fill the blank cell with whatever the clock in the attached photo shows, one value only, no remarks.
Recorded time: 2:43
